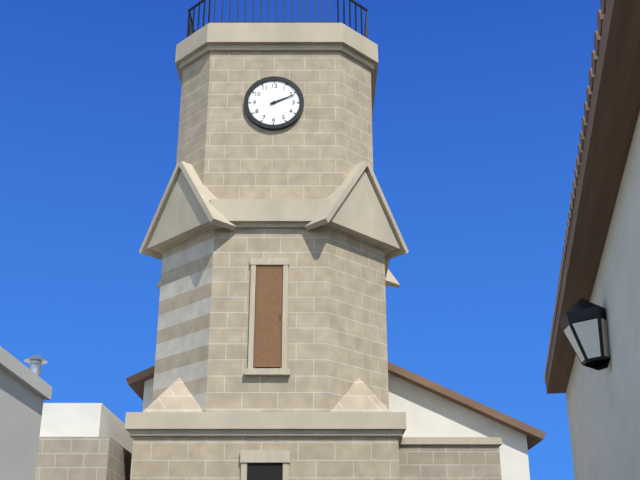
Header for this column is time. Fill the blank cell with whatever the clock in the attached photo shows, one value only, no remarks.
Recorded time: 2:11
